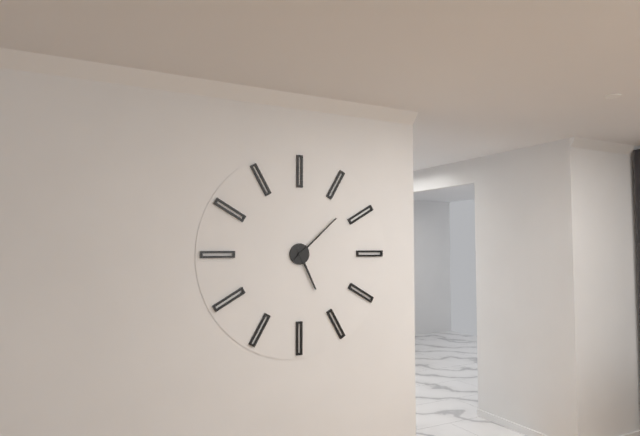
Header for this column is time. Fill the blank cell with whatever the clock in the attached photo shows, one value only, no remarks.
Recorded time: 5:08
